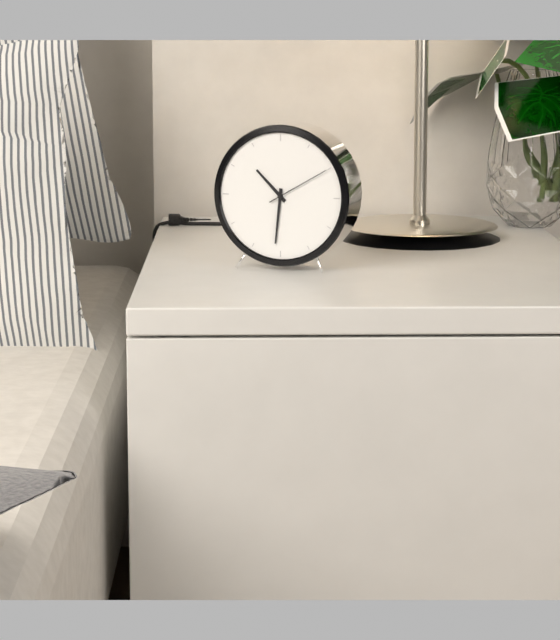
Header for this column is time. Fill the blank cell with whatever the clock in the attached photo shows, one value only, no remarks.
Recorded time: 10:31:10
